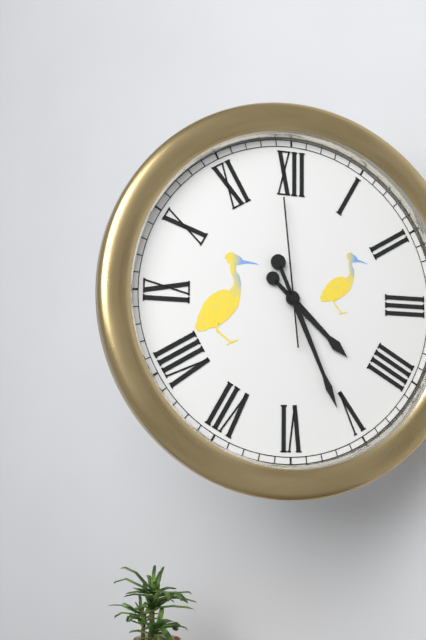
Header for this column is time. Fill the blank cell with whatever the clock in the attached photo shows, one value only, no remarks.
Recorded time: 4:26:59
